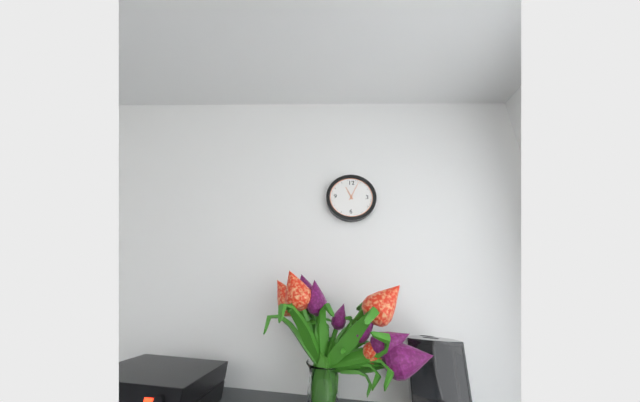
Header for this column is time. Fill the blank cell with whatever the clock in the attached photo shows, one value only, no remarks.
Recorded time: 11:04
